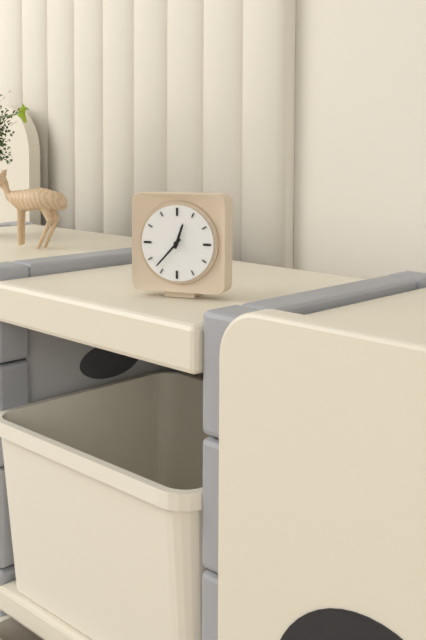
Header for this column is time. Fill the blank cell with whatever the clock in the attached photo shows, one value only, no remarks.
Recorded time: 12:37
